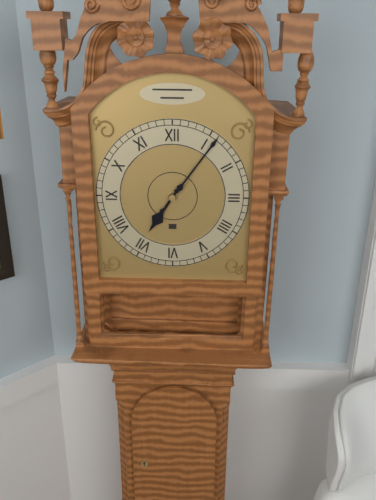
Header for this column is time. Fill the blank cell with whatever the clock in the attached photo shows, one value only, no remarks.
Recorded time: 7:06
